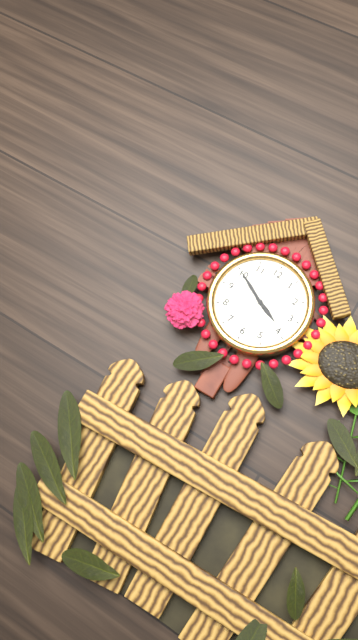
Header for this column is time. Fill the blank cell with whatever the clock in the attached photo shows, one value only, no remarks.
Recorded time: 3:50
